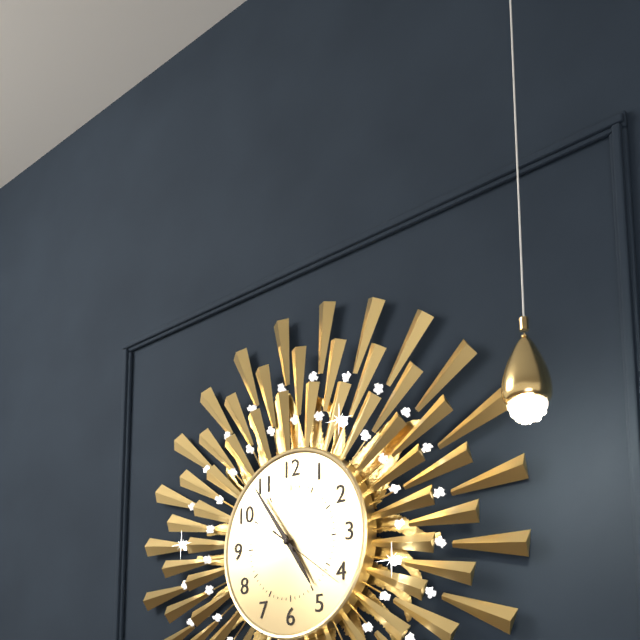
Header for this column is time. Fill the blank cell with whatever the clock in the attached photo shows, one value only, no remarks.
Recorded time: 4:54:21
